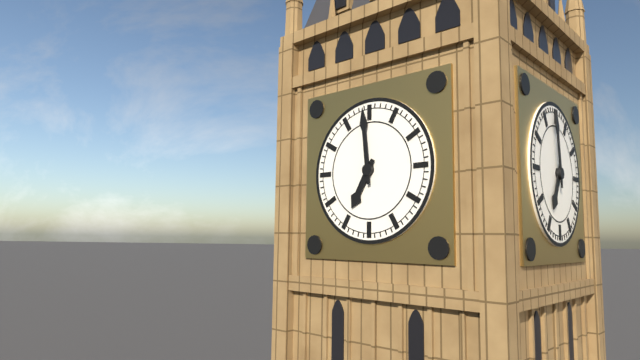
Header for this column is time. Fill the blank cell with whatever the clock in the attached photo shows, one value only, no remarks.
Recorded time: 6:59
